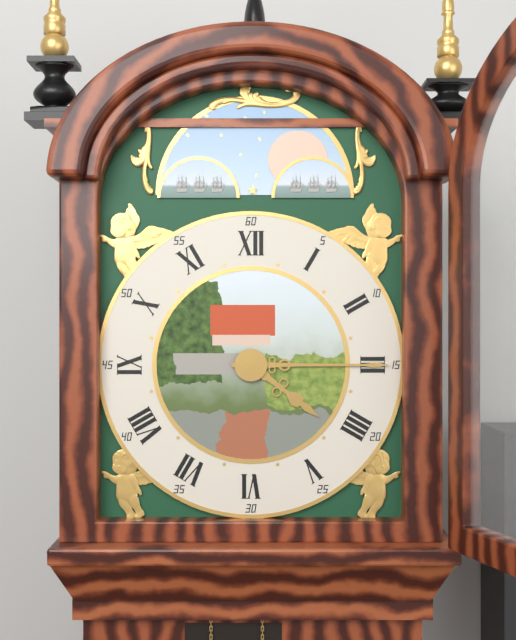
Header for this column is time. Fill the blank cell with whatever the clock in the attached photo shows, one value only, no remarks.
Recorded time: 4:15
